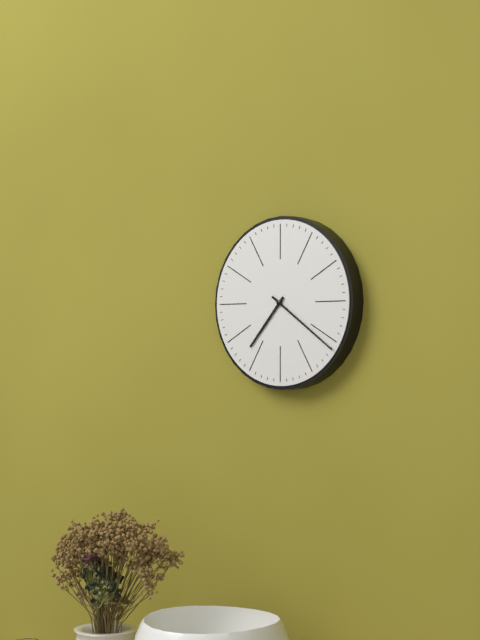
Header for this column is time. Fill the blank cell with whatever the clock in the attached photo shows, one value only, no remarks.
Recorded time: 7:21
